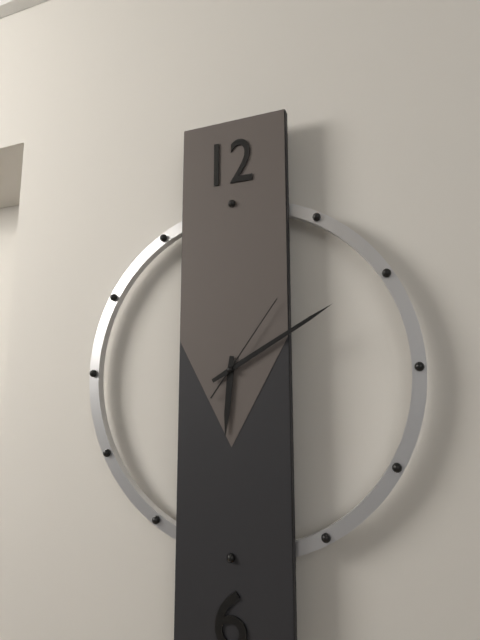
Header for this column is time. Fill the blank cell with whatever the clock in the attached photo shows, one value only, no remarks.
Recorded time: 6:10:06
